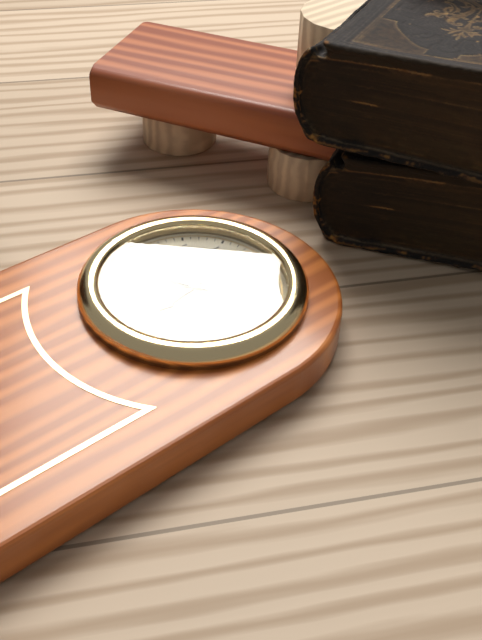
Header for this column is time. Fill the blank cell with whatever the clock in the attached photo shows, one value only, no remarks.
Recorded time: 5:40
